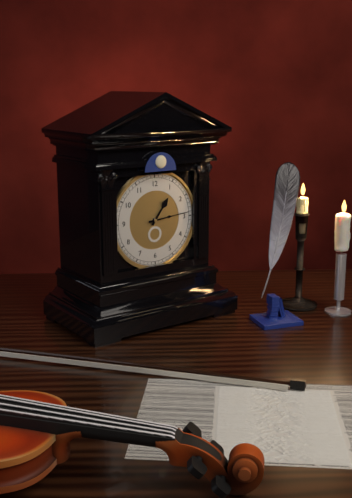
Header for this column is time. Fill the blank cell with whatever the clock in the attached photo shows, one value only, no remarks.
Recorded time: 1:14
